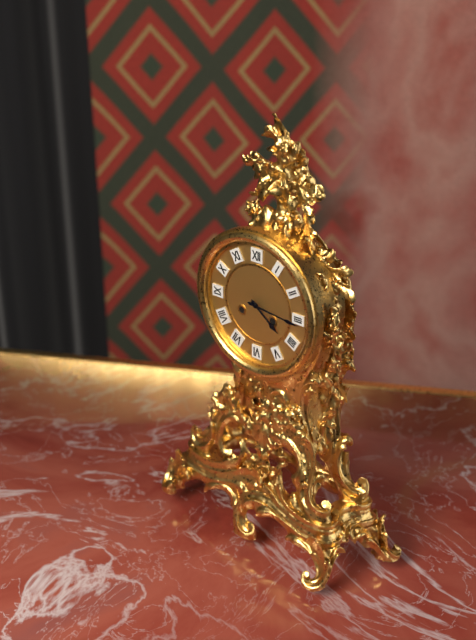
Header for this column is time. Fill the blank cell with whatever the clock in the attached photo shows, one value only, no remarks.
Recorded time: 4:16
